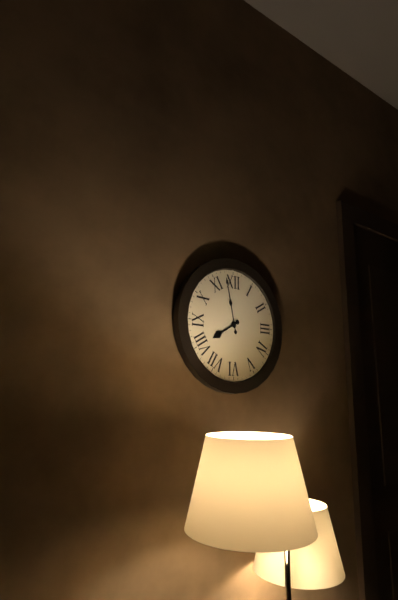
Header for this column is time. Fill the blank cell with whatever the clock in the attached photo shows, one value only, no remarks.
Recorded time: 7:58
